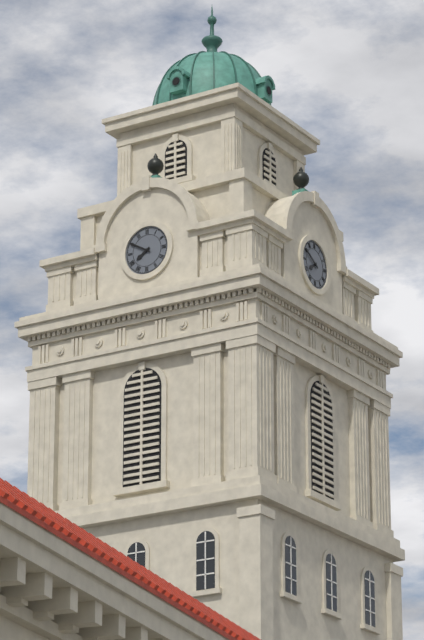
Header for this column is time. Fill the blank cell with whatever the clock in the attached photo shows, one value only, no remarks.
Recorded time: 7:50
